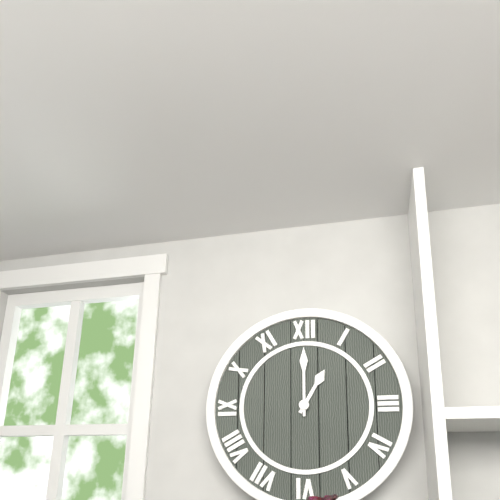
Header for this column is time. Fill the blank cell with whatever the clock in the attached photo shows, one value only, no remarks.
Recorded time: 1:00
